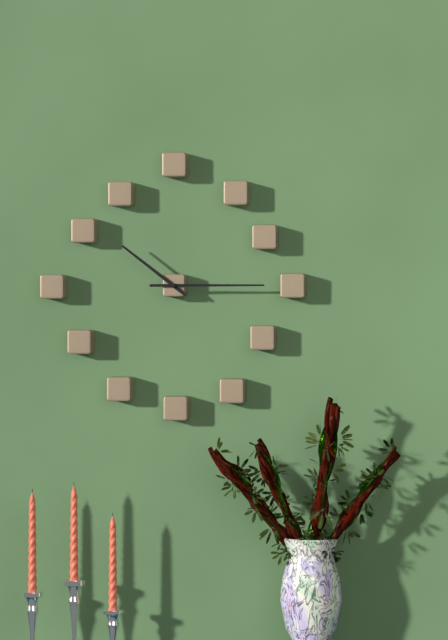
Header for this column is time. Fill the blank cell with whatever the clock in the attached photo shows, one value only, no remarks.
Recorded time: 10:15
